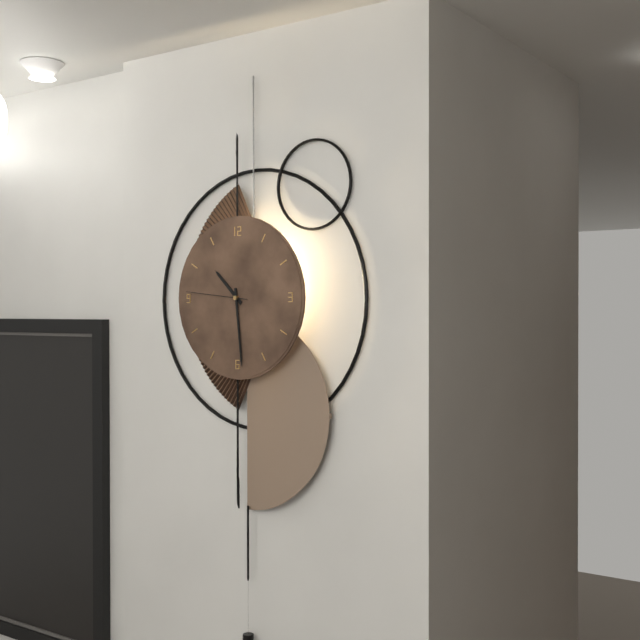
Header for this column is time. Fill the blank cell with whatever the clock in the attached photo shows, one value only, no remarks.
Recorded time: 10:29:46
